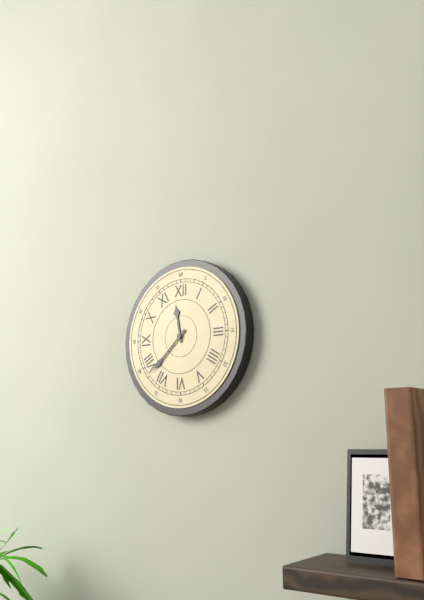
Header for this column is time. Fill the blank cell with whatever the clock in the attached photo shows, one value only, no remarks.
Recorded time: 11:38
